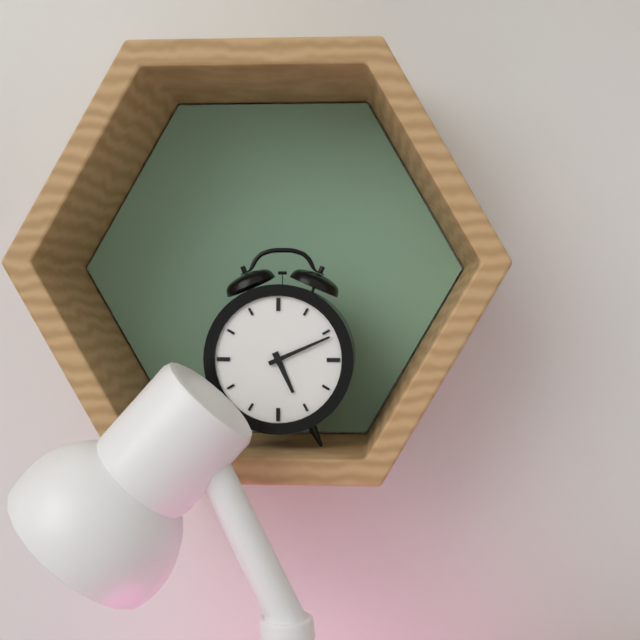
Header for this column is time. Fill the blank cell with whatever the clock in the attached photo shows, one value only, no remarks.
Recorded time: 5:11
